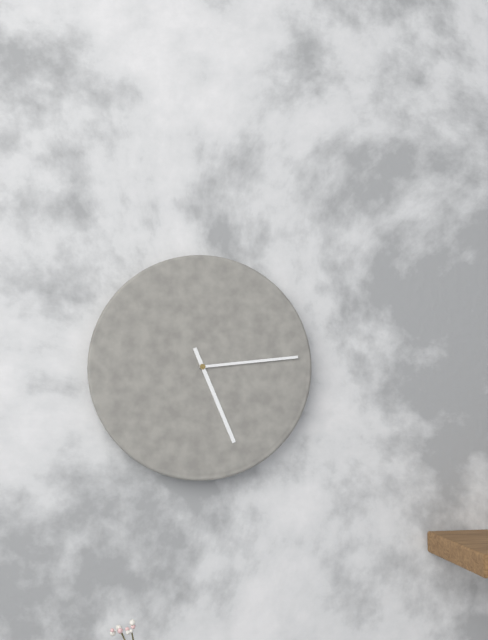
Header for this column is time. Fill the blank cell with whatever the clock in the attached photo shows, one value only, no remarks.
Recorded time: 5:14
